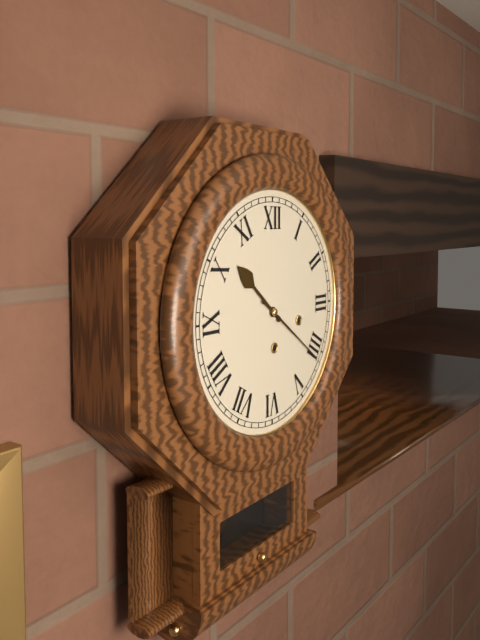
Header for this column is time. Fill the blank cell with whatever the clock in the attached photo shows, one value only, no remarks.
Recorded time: 10:21
